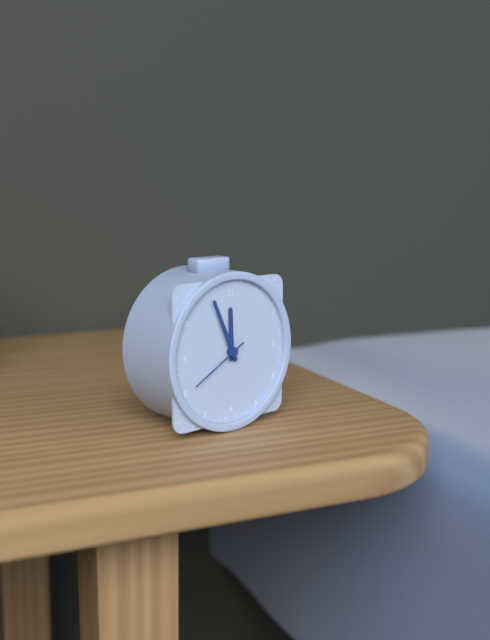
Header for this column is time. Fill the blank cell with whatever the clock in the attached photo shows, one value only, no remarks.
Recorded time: 11:56:40
